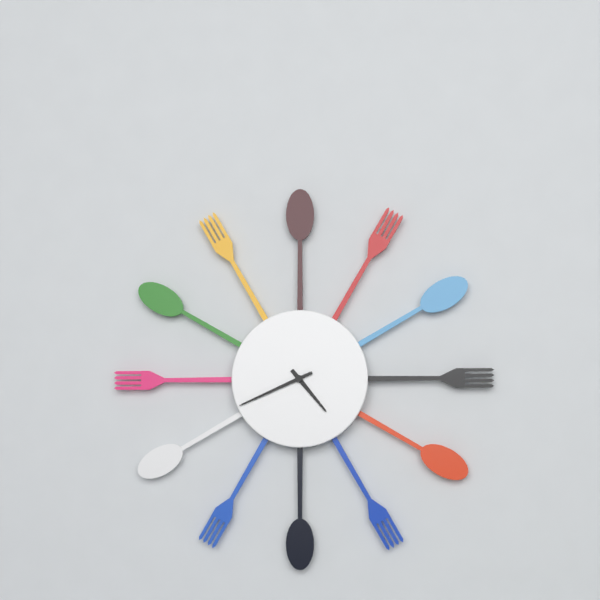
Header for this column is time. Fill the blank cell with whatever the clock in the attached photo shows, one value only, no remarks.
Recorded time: 4:41
